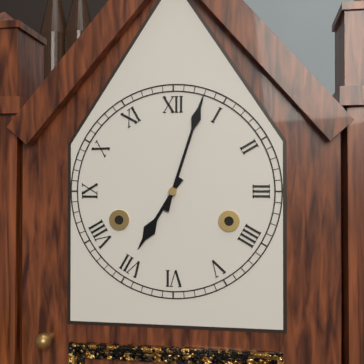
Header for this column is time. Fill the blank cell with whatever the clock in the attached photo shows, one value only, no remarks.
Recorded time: 7:03
